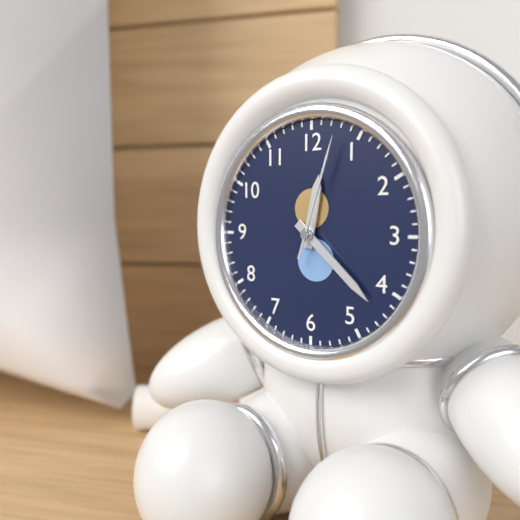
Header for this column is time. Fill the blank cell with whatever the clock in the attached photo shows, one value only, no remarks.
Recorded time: 12:22:03
